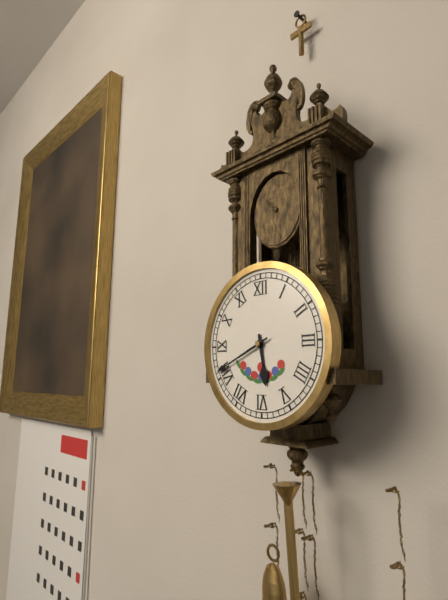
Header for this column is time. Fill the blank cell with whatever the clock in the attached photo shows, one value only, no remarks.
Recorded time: 5:41
